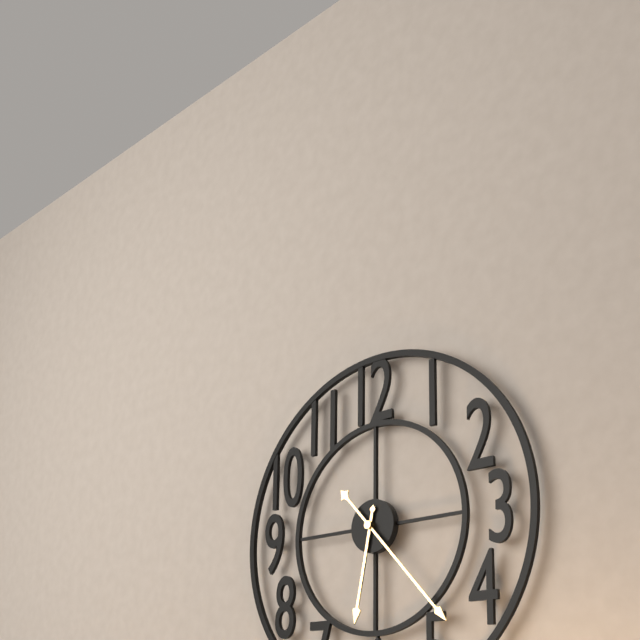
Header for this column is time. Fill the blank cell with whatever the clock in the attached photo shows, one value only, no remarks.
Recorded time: 6:23
